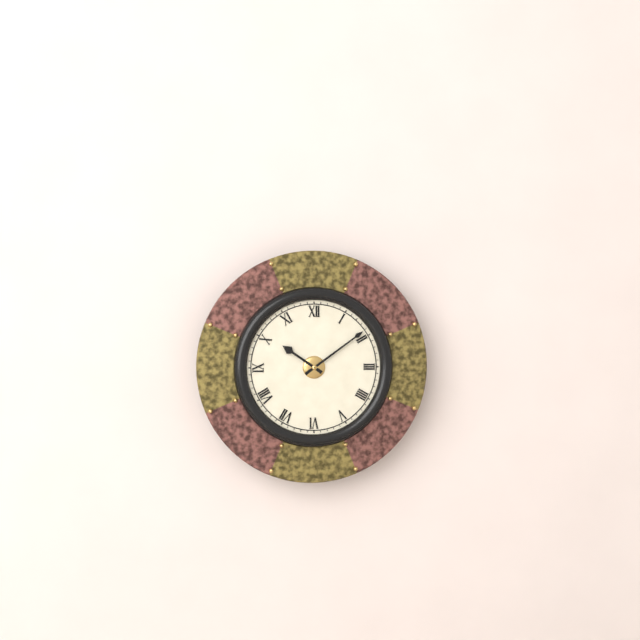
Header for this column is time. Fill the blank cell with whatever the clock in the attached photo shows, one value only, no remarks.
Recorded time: 10:09
